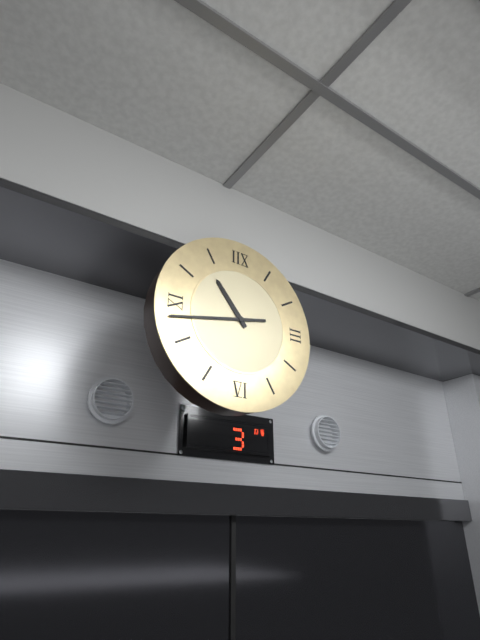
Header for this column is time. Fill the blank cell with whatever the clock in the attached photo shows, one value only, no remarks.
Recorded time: 10:43
